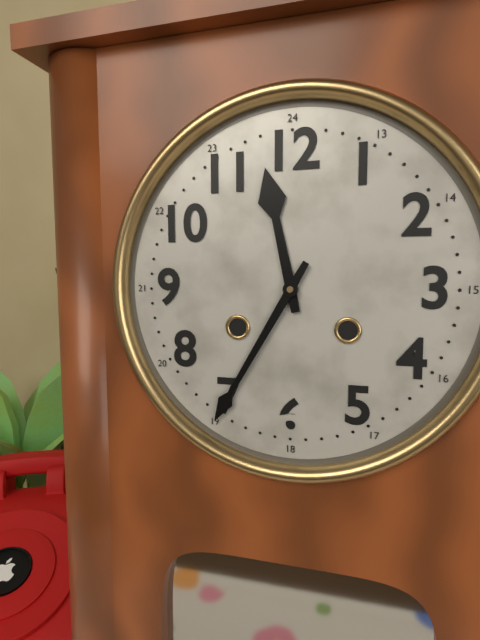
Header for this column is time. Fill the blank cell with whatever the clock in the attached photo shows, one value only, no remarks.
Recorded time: 11:35
